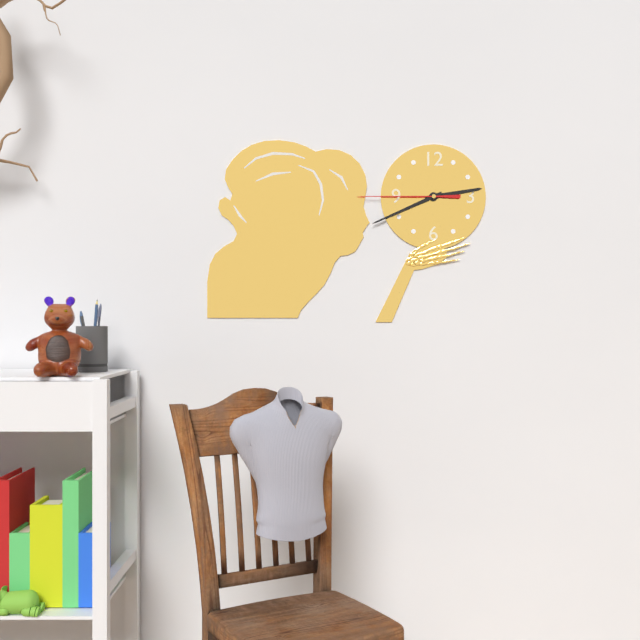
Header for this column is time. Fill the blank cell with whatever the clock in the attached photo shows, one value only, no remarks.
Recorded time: 2:41:45
